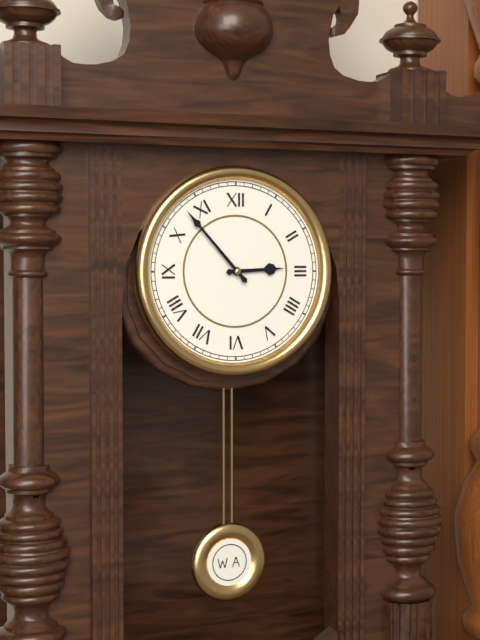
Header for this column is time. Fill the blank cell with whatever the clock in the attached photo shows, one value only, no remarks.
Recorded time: 2:53
